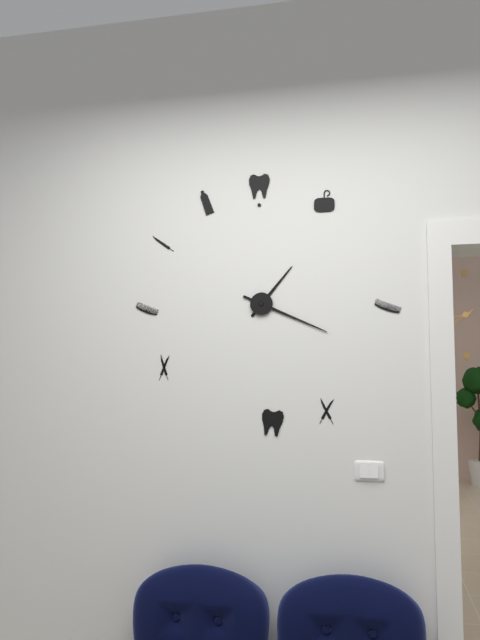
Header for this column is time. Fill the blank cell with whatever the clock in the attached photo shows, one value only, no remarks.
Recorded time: 1:19
